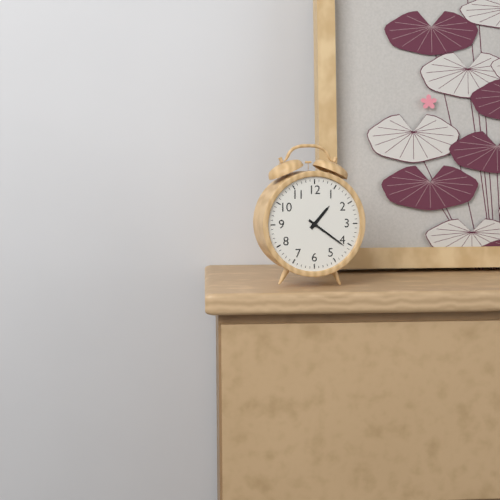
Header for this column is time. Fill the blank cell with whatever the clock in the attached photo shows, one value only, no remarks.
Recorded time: 1:21
